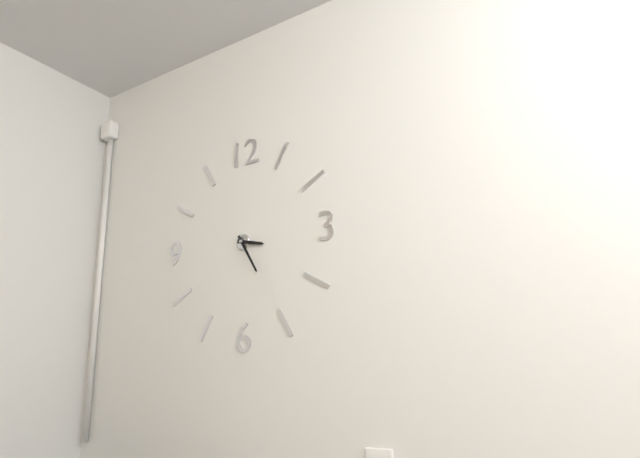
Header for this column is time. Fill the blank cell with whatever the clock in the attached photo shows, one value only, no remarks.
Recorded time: 3:25
